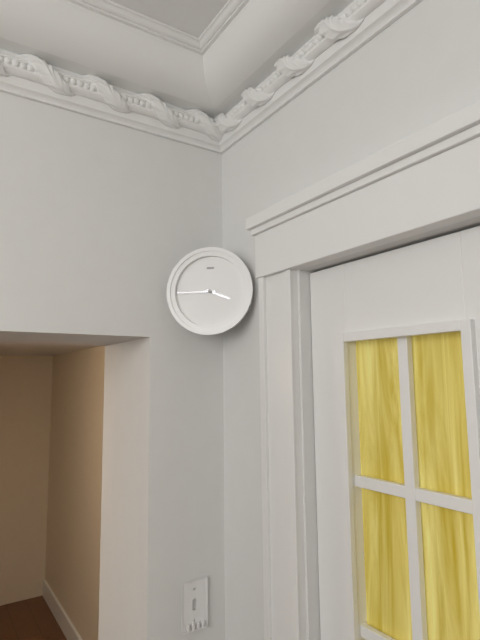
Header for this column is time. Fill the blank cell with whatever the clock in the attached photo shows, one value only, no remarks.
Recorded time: 3:45
